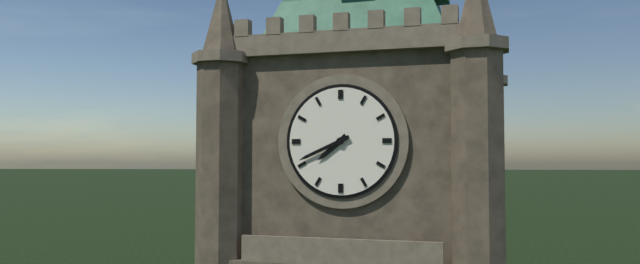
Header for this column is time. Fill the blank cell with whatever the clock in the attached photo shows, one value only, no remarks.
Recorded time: 7:41
